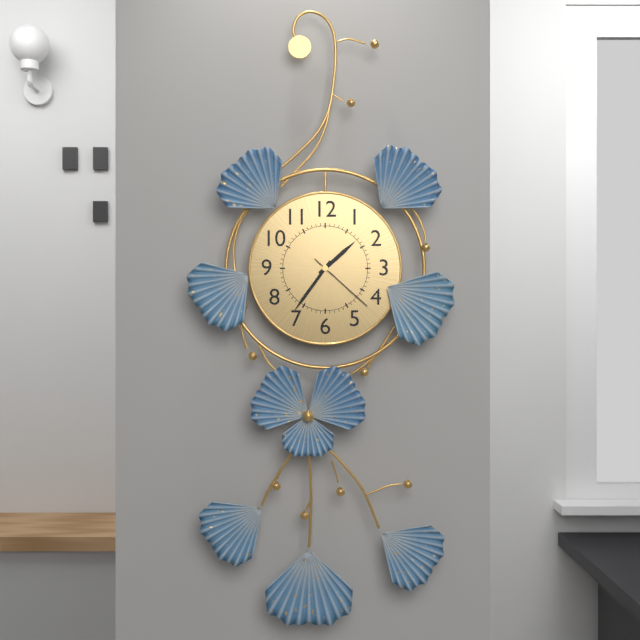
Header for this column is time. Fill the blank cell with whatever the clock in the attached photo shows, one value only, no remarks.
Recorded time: 1:36:22
